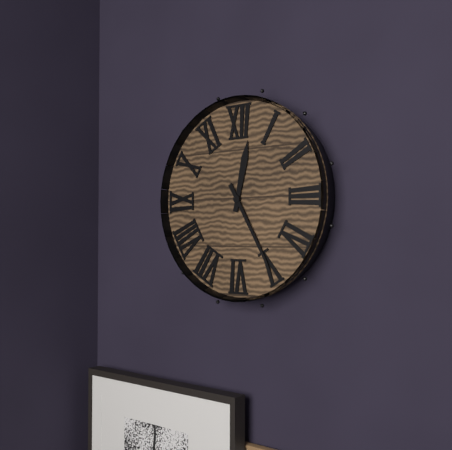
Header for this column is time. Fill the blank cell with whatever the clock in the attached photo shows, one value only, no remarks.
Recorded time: 12:25
